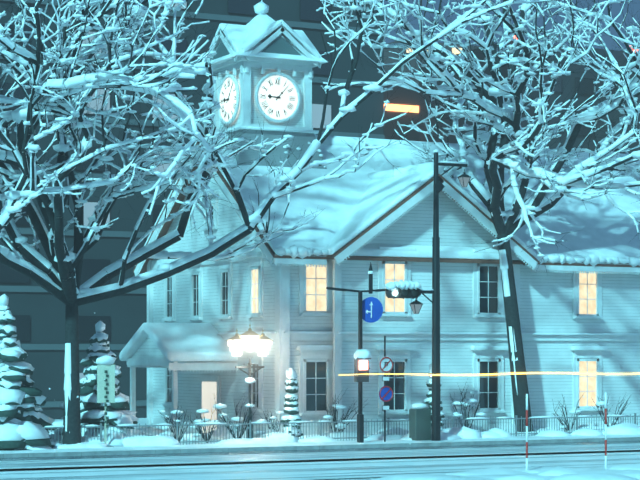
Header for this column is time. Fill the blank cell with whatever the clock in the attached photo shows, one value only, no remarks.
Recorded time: 9:07
